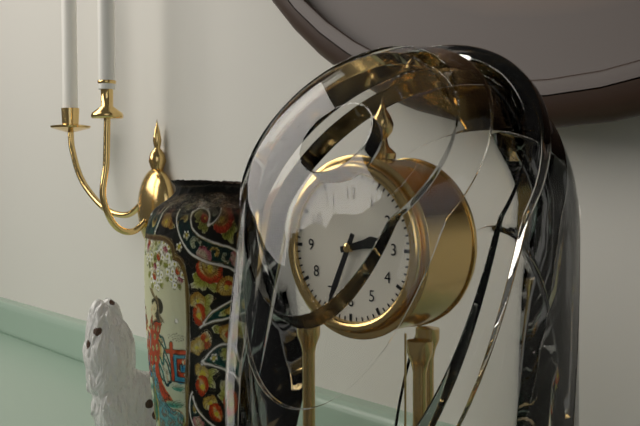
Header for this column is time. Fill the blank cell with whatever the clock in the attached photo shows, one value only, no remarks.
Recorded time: 2:34
